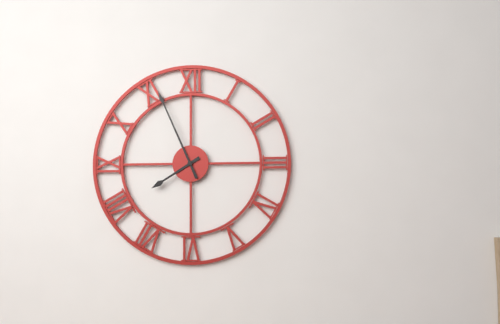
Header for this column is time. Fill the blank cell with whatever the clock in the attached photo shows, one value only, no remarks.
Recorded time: 7:56
